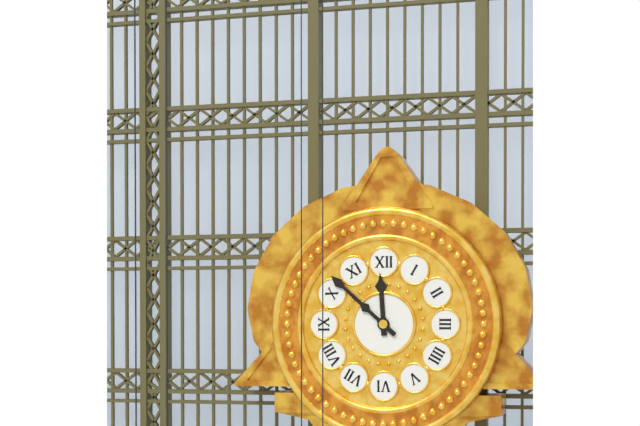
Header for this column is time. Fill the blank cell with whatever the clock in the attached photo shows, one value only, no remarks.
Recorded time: 11:52
